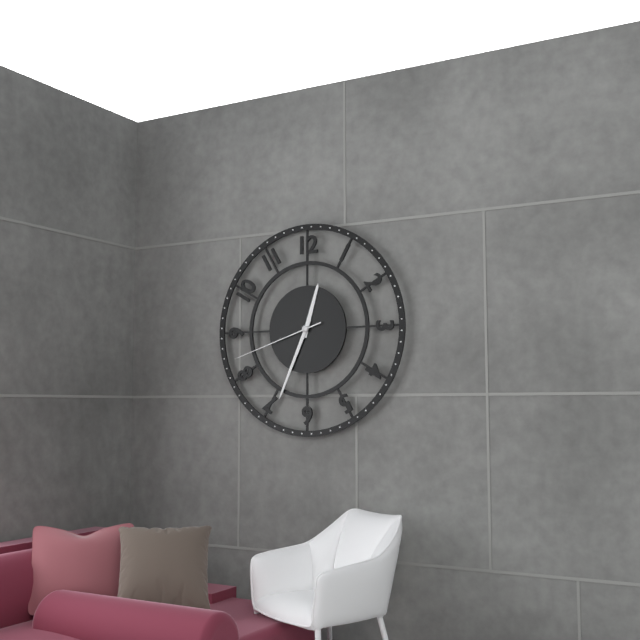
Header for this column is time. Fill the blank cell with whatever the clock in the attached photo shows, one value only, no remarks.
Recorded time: 12:34:42
